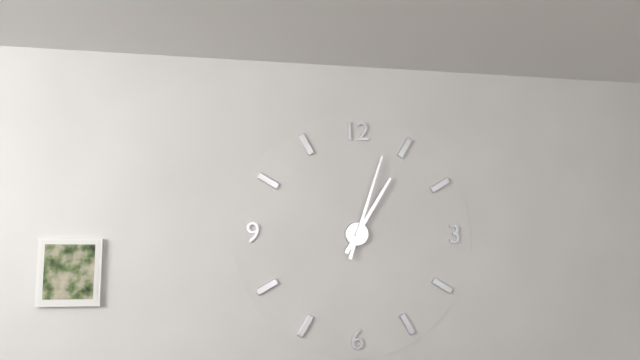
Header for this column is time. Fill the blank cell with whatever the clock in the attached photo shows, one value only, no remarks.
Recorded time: 1:03
